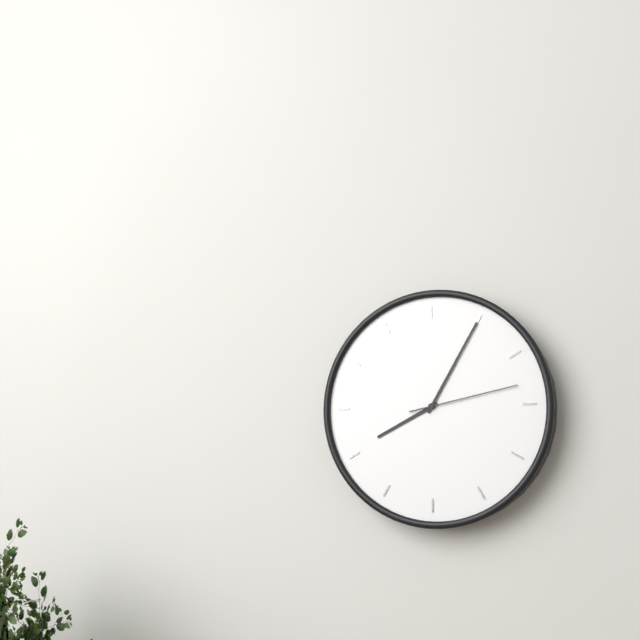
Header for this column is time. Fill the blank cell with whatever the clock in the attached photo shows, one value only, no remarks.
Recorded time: 8:05:13
